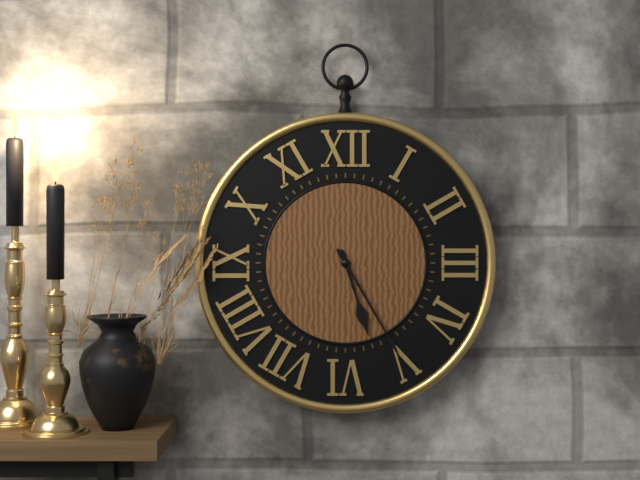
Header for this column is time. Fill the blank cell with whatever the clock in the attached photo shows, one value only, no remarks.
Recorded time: 5:25
